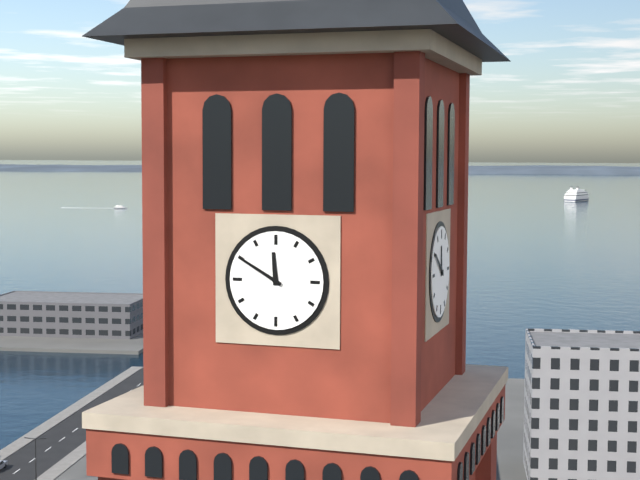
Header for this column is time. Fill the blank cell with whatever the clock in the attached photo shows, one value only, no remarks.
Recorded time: 11:50
